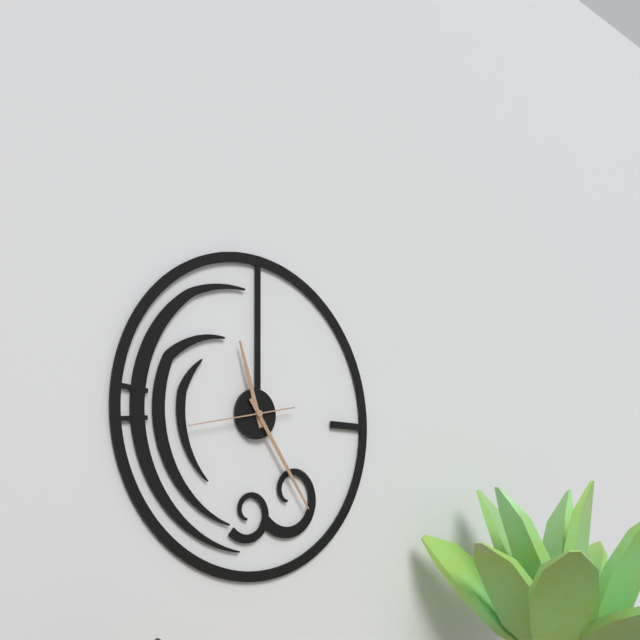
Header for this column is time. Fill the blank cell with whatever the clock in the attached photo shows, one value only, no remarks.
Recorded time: 11:24:43
